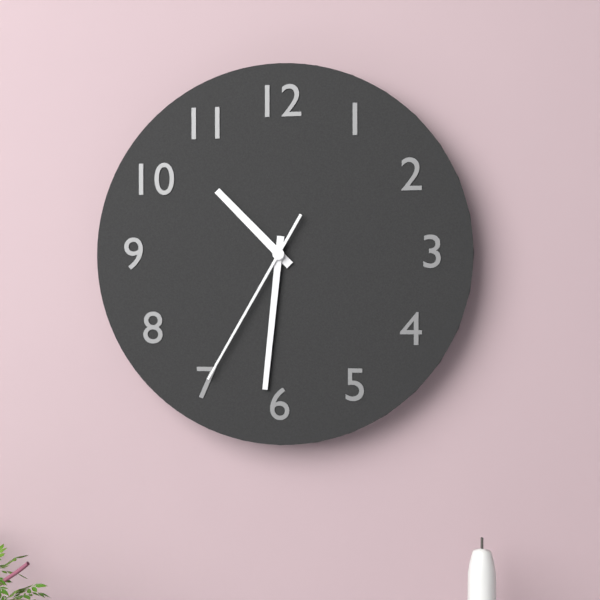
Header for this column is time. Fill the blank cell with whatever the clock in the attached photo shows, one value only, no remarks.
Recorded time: 10:31:35
